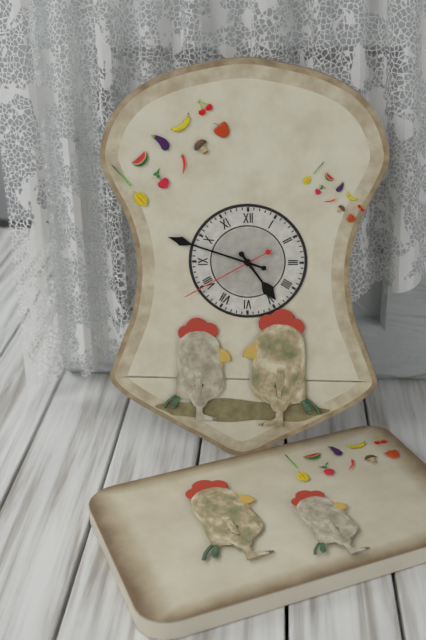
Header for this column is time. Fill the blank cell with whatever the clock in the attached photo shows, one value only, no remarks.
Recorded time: 4:48:40
